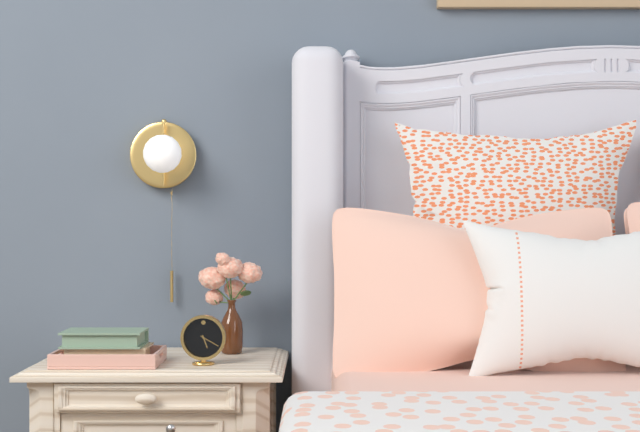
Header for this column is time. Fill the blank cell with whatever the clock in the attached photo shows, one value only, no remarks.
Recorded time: 5:20
